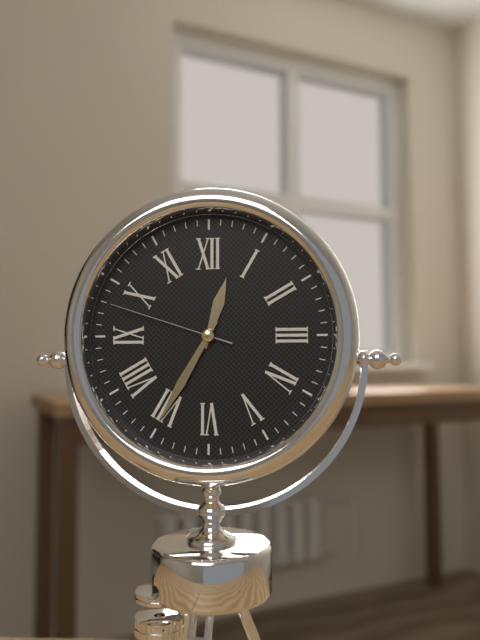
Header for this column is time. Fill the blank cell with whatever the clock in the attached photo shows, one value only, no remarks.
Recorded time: 12:35:48
